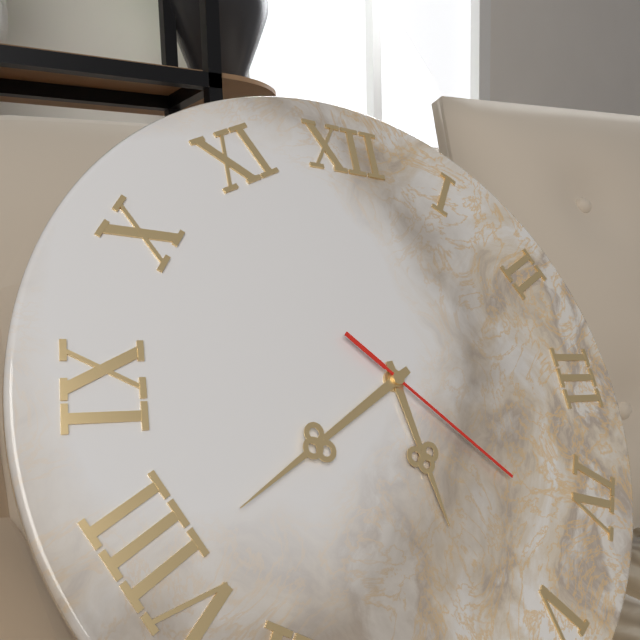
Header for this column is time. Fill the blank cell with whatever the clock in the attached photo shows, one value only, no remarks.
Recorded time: 5:40:22
